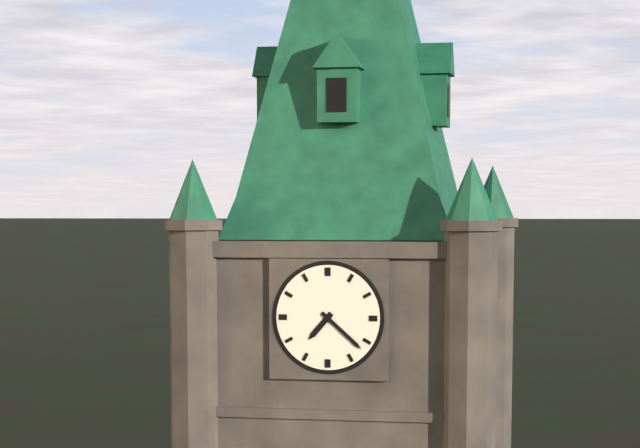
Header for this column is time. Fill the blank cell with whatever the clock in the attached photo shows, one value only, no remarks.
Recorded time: 7:22
